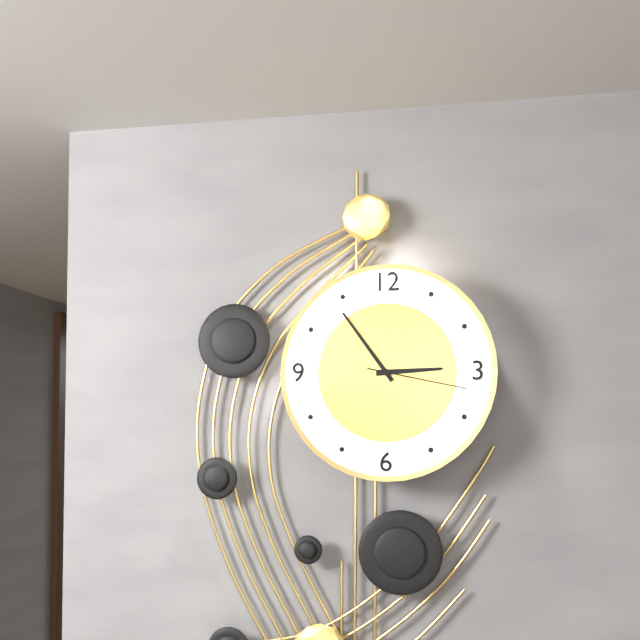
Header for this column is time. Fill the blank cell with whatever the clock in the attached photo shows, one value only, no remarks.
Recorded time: 2:54:17
